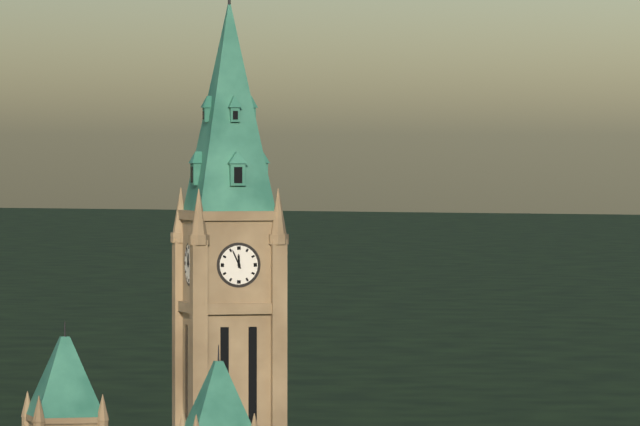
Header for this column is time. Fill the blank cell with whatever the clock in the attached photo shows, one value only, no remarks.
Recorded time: 11:56
